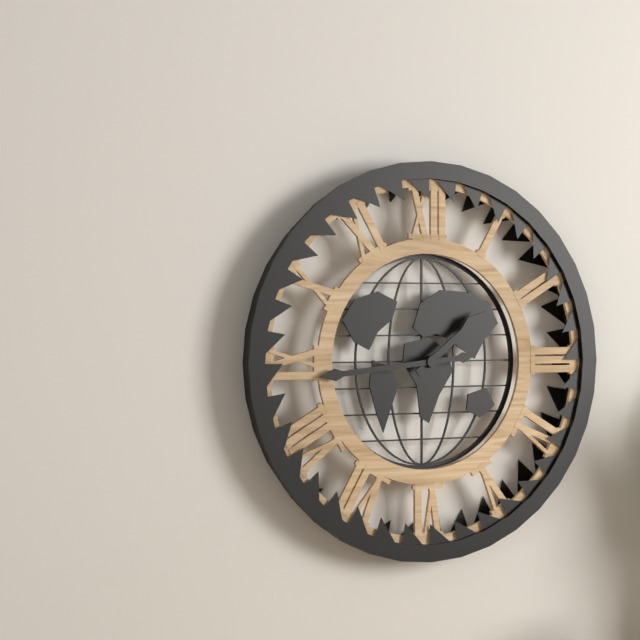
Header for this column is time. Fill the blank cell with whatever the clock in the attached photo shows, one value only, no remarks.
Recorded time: 1:44
